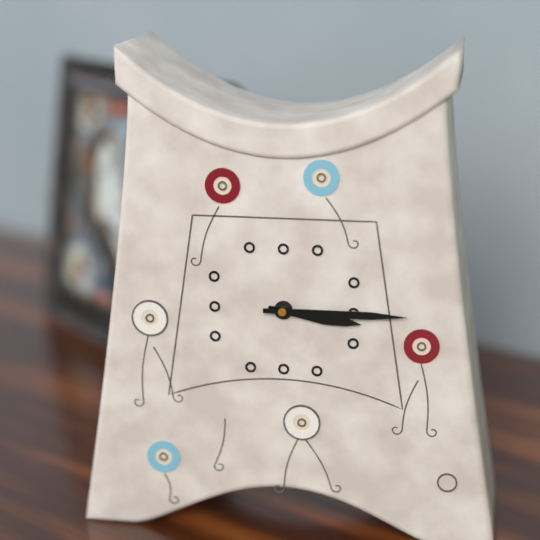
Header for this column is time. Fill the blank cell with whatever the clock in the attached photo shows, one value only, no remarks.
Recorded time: 3:15
